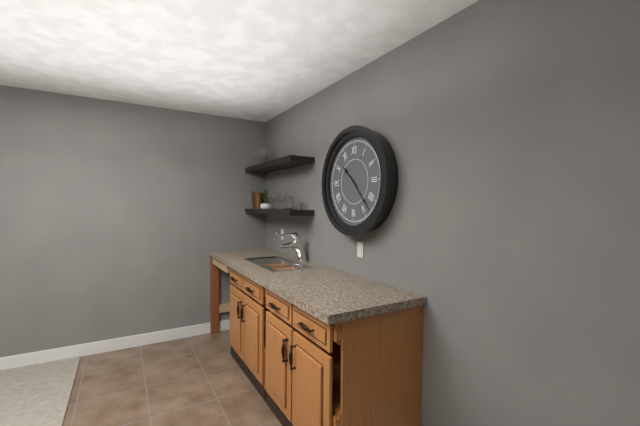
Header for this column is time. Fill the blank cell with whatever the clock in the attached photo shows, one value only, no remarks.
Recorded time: 10:23
